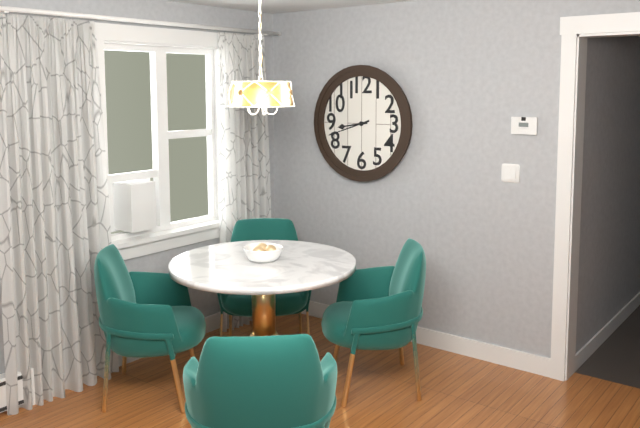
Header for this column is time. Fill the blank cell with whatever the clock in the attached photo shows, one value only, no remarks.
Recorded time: 8:42
